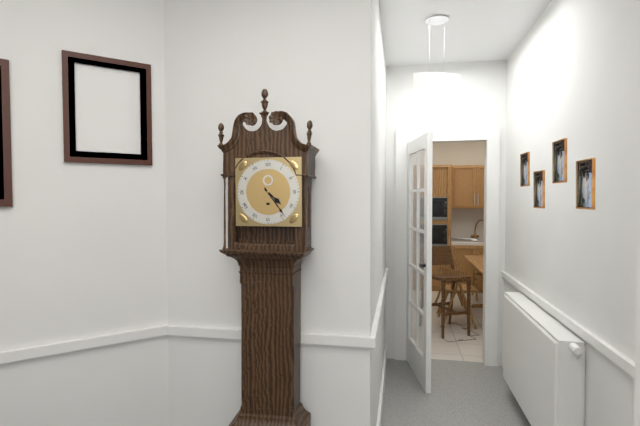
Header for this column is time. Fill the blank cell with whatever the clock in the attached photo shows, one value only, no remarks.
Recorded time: 4:24
